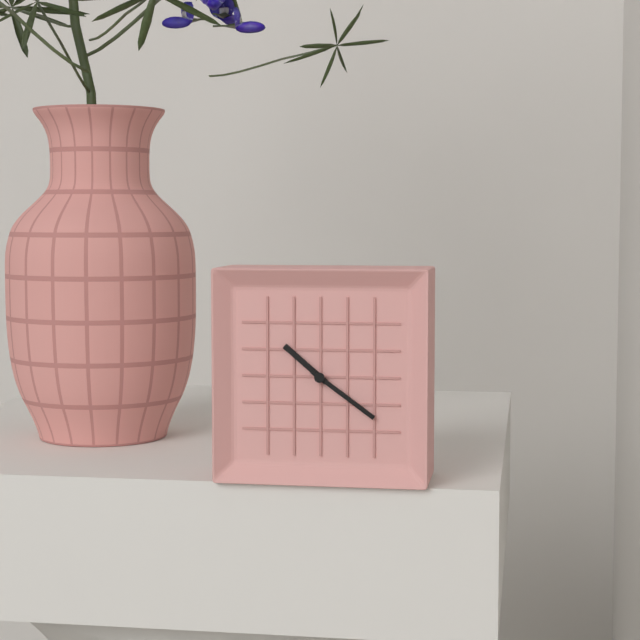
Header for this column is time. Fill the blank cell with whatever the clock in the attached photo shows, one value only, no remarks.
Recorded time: 10:21
